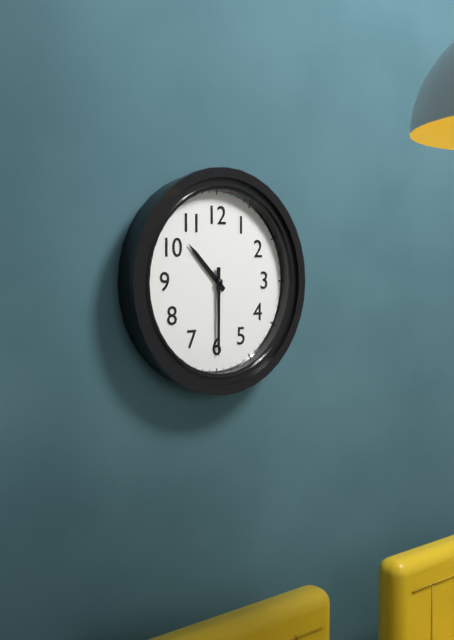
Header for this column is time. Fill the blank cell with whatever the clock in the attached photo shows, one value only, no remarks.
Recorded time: 10:30
